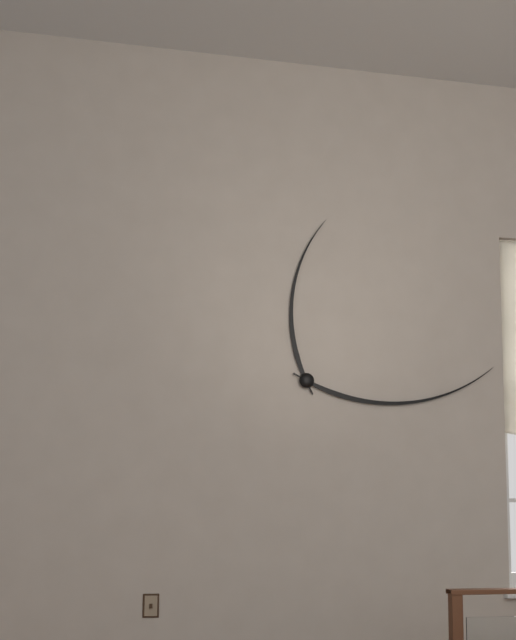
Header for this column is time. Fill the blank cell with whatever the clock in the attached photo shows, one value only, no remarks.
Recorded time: 12:14
